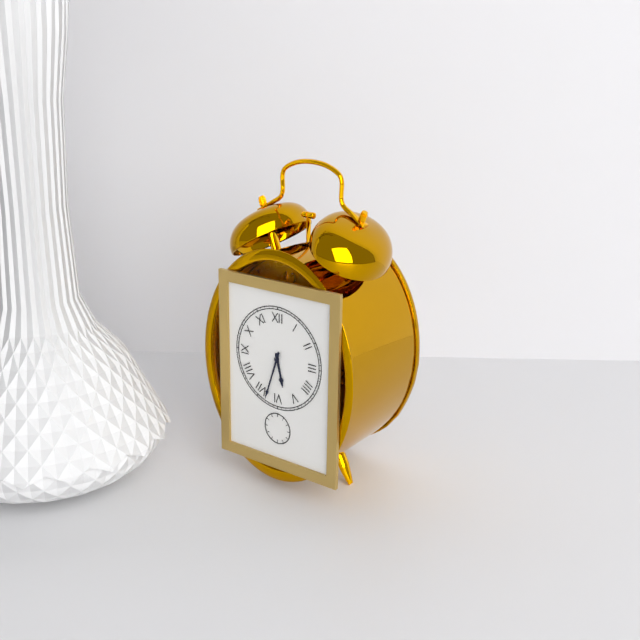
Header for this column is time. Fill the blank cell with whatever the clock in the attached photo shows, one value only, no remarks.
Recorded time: 5:33
